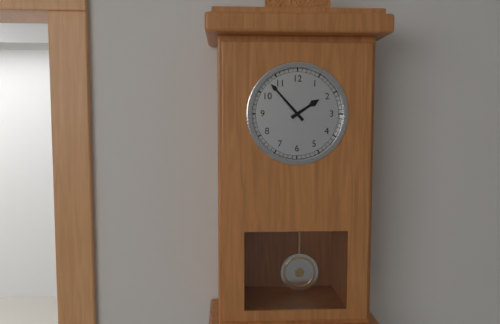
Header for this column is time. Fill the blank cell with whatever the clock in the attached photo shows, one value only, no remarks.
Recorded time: 1:53
